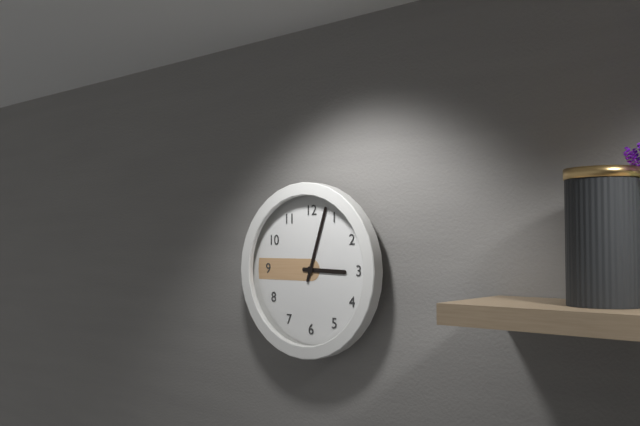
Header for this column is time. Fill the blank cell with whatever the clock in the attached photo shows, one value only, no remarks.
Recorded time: 3:03
